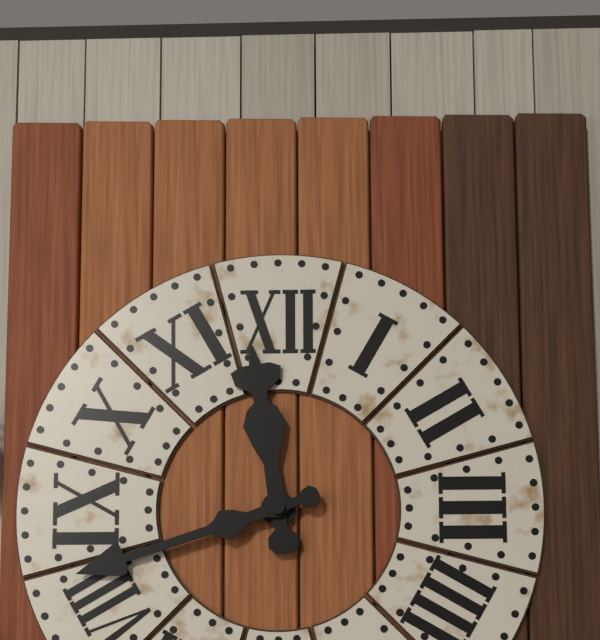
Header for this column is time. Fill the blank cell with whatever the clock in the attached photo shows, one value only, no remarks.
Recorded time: 11:42
